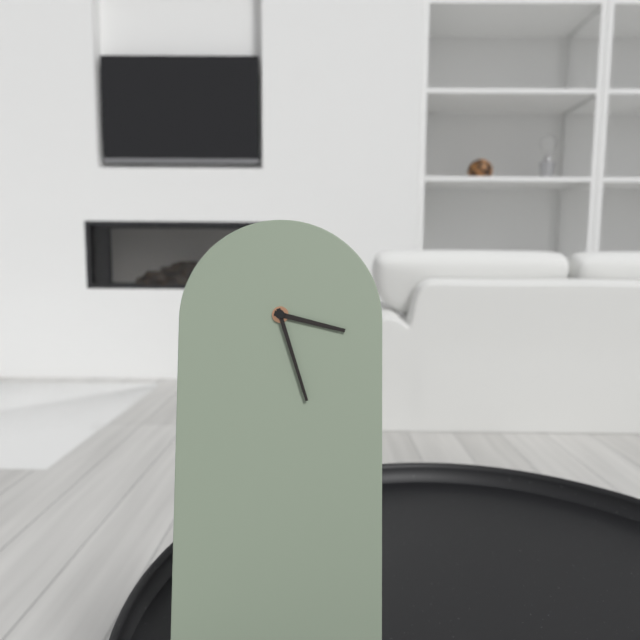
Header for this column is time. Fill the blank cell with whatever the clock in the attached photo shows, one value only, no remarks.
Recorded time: 3:27
